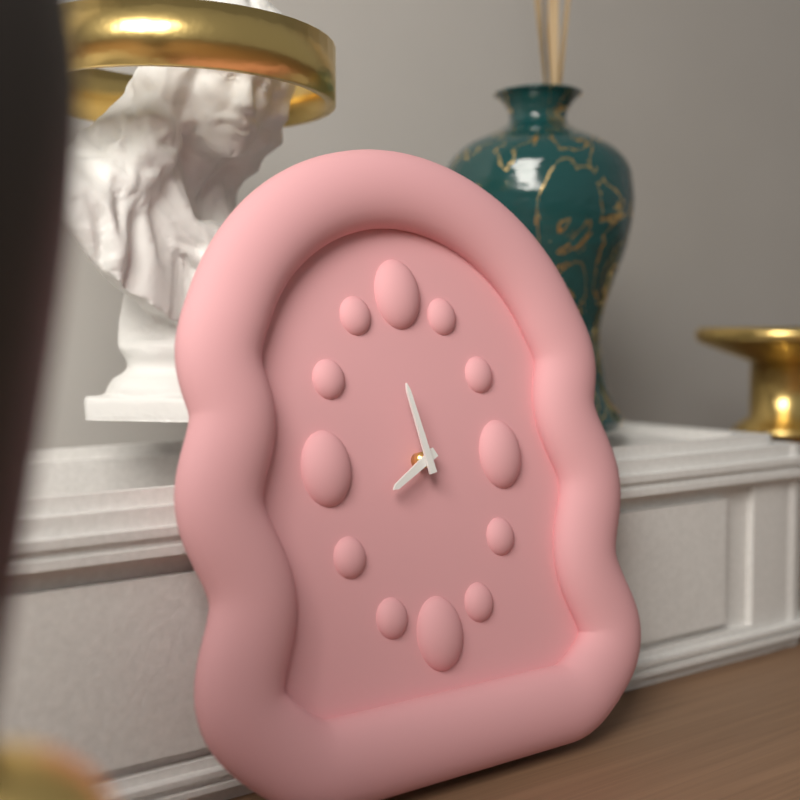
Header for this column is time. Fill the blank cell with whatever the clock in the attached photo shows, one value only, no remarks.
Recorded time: 7:58
